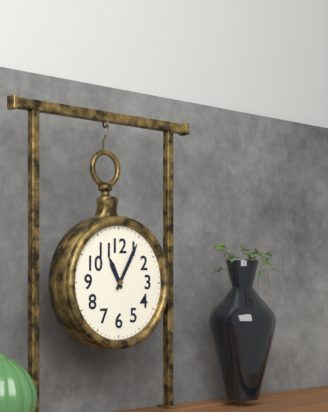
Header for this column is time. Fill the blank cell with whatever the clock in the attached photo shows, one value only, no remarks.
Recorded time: 11:05
